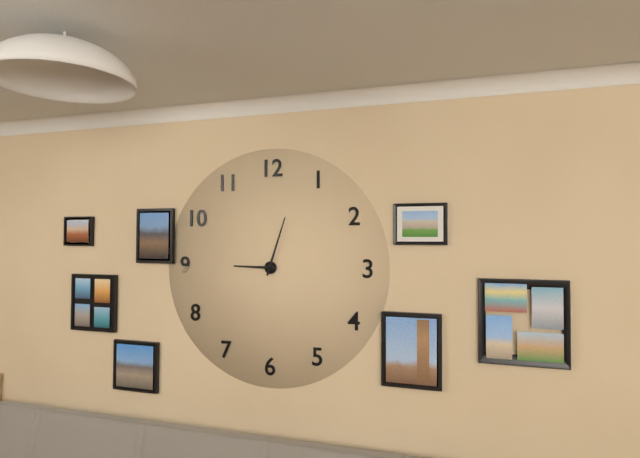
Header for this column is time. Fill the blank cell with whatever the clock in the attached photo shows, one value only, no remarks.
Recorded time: 9:03
